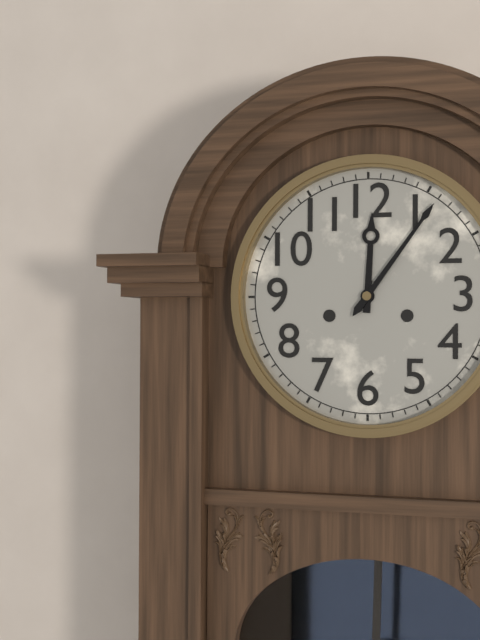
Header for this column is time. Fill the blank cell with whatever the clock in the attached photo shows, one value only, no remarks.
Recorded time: 12:06
